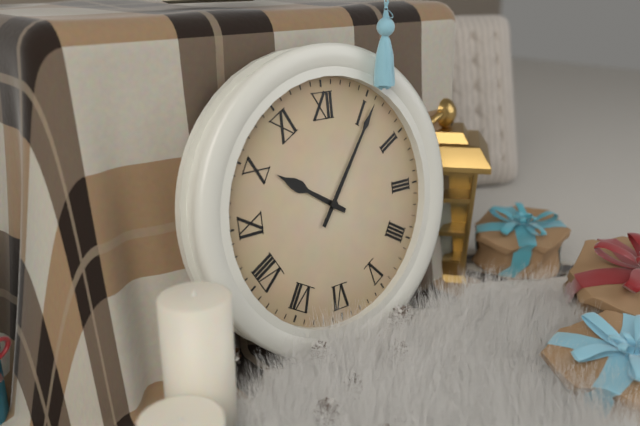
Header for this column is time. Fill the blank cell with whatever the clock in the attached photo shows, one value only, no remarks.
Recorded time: 10:06
